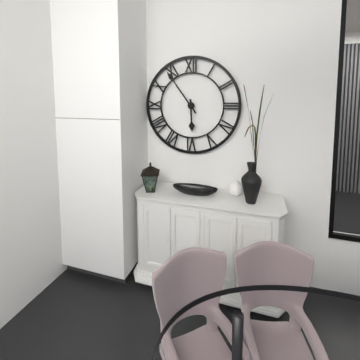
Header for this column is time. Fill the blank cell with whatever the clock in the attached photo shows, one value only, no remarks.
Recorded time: 5:54
